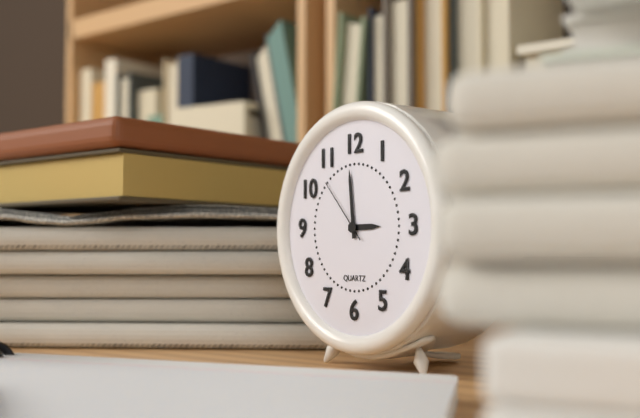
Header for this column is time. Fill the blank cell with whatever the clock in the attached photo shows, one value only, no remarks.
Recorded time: 2:59:53
